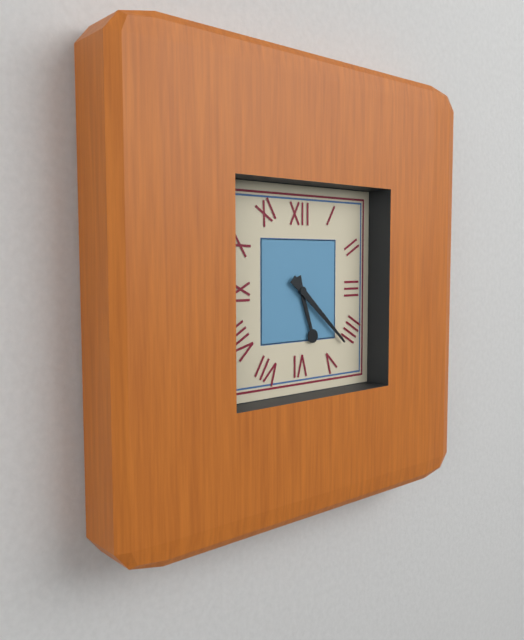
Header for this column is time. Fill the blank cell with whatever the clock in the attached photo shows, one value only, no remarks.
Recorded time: 5:22
